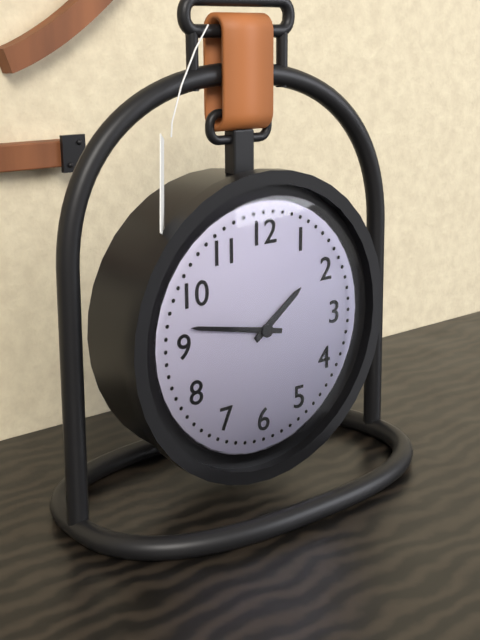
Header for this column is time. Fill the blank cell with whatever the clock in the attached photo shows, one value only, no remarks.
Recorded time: 1:47
